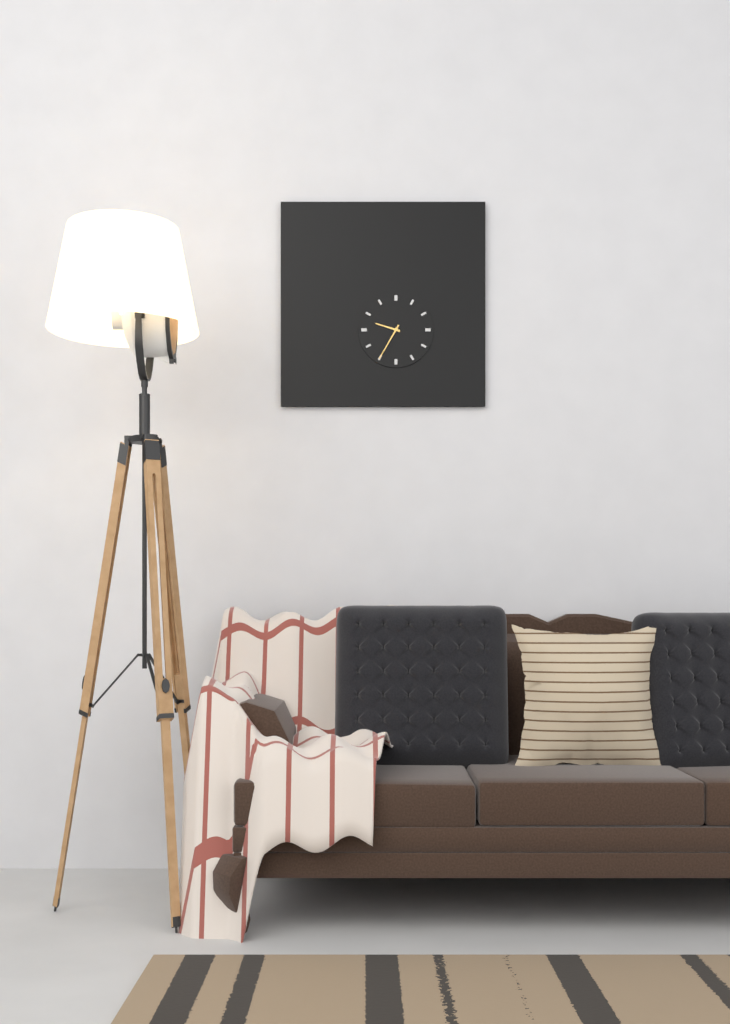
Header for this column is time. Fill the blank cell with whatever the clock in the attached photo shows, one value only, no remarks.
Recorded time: 9:35
